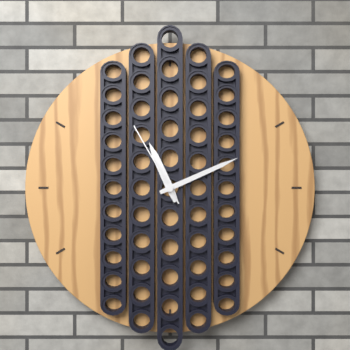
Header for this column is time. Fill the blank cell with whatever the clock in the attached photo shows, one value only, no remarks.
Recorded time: 11:11:55
